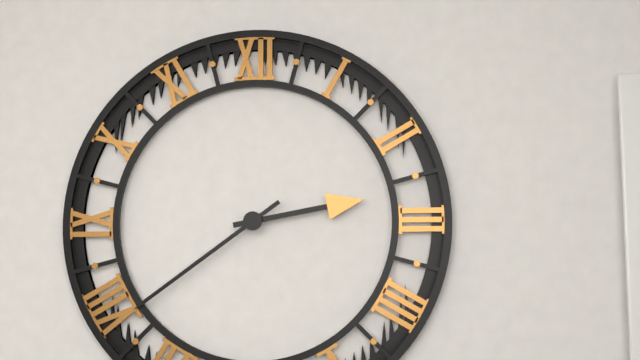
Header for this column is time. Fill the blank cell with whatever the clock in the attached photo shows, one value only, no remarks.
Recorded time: 2:39
